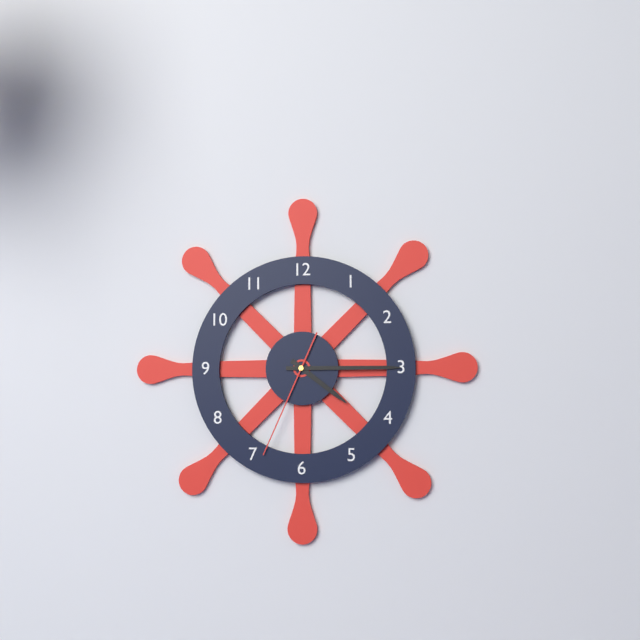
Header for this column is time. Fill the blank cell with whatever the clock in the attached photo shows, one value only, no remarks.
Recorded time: 4:15:34
